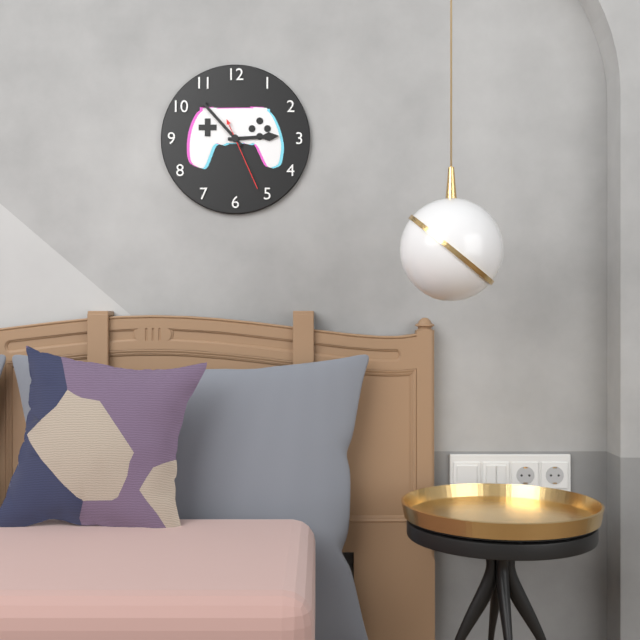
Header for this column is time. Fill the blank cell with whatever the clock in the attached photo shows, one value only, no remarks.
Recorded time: 2:53:26
